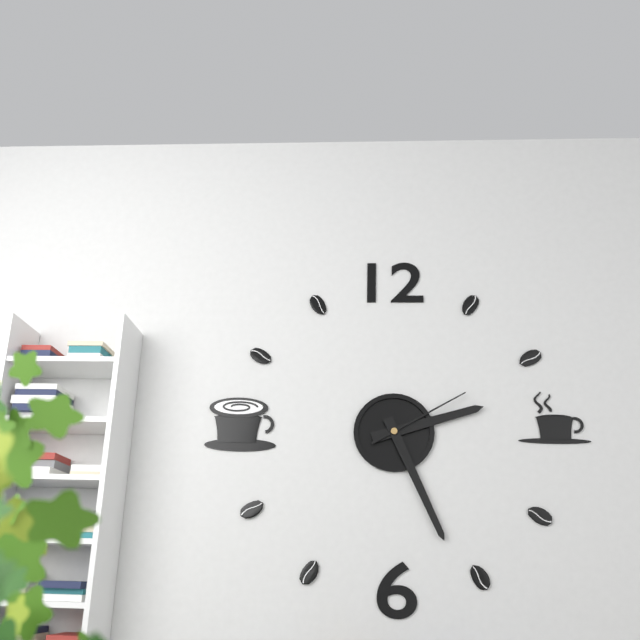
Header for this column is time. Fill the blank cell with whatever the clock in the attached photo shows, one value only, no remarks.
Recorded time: 2:26:10
